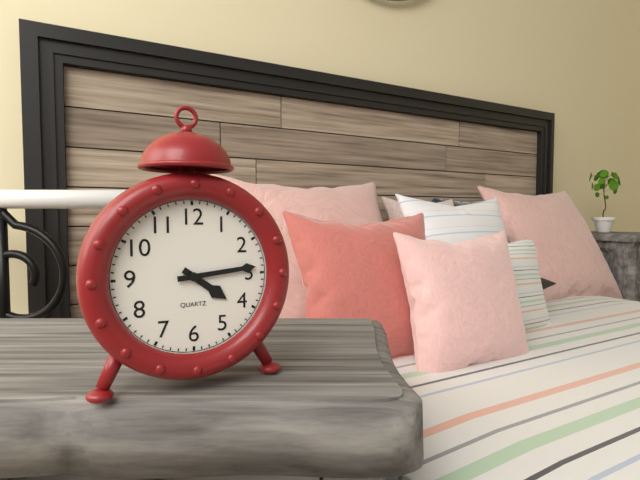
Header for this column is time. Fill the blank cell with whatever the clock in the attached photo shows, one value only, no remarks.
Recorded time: 4:14
